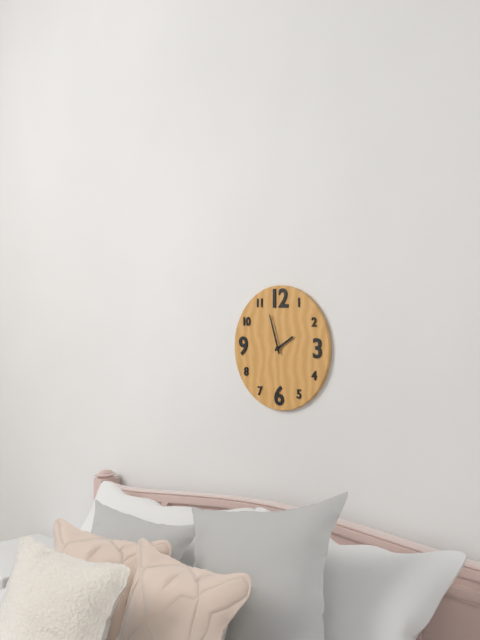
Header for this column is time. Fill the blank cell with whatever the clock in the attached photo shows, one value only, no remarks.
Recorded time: 1:57
